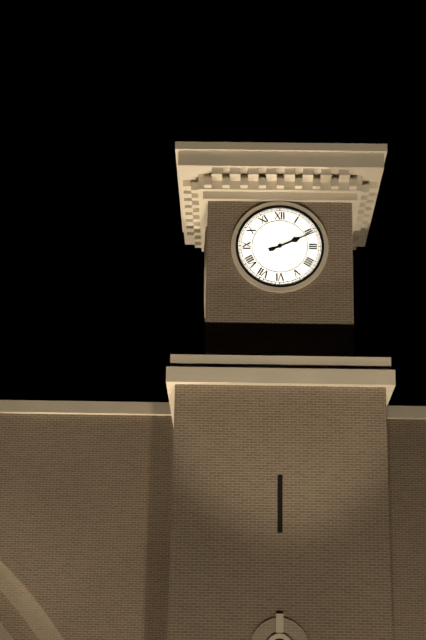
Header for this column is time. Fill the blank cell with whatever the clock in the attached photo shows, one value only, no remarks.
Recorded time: 2:11
